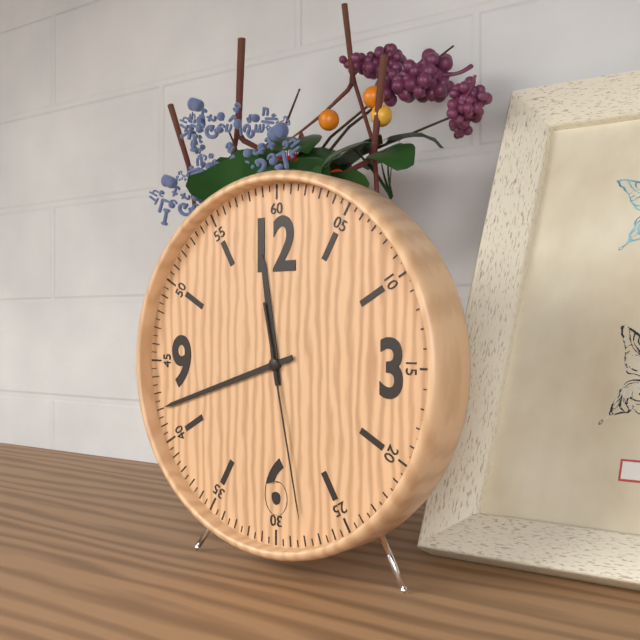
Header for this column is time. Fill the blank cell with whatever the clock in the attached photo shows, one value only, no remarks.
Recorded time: 11:42:28
